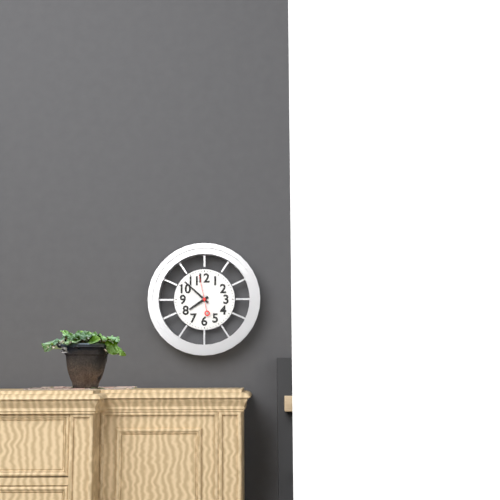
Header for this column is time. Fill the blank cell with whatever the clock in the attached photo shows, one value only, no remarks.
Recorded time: 7:52
